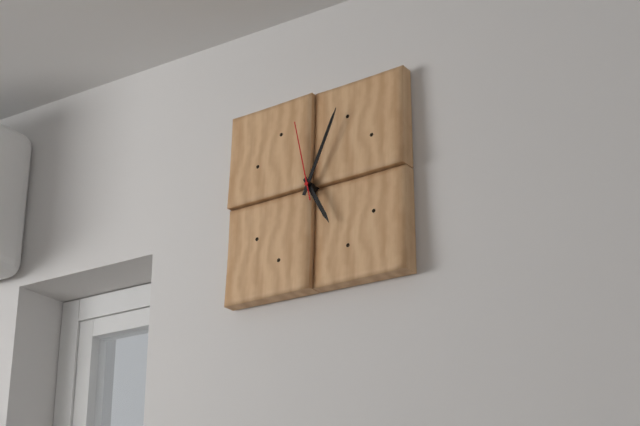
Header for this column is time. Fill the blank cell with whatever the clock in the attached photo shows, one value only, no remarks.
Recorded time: 5:04:58
